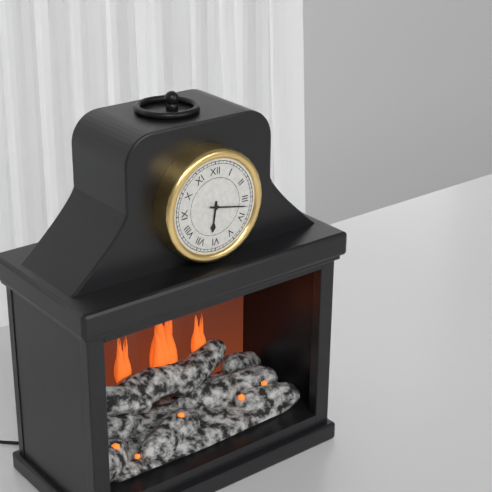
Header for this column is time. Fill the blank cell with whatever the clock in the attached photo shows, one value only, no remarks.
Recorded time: 6:17
